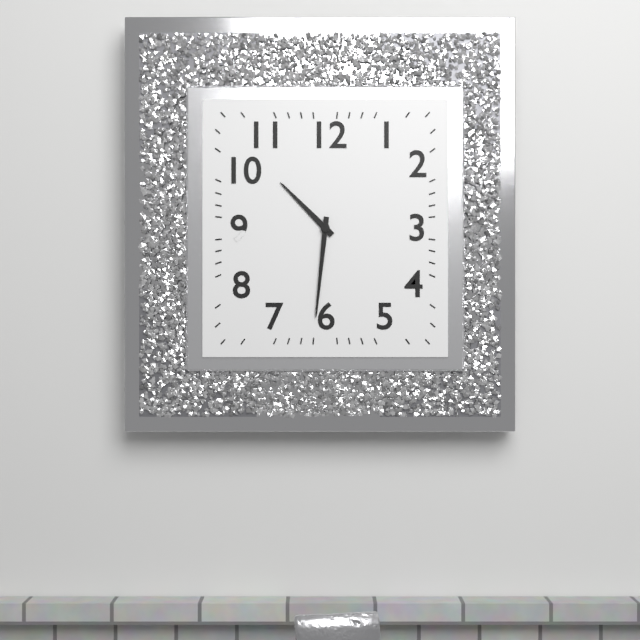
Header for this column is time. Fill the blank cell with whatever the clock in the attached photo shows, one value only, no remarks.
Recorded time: 10:31
